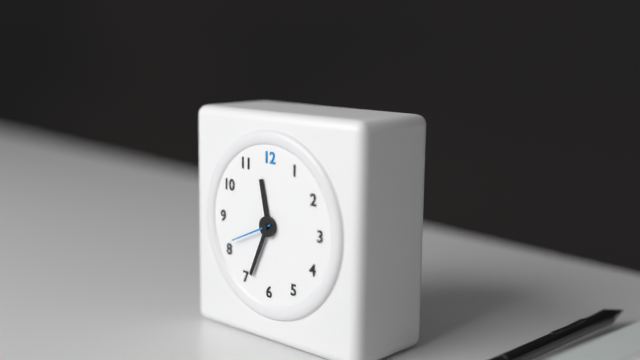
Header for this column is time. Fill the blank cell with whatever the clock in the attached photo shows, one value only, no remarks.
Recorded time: 11:34
